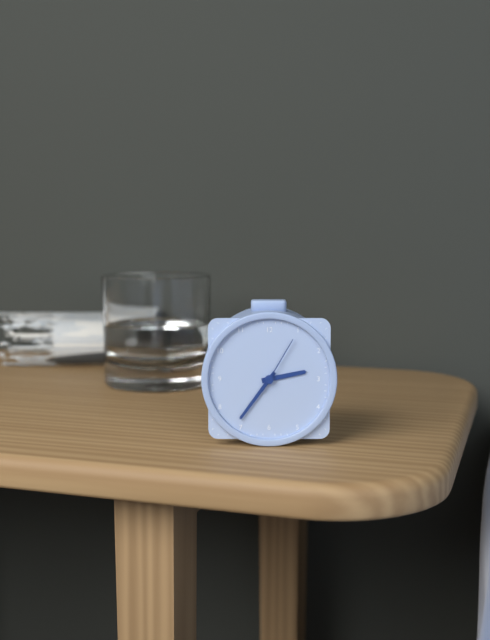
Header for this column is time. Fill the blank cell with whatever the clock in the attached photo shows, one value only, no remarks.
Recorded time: 2:36:05
